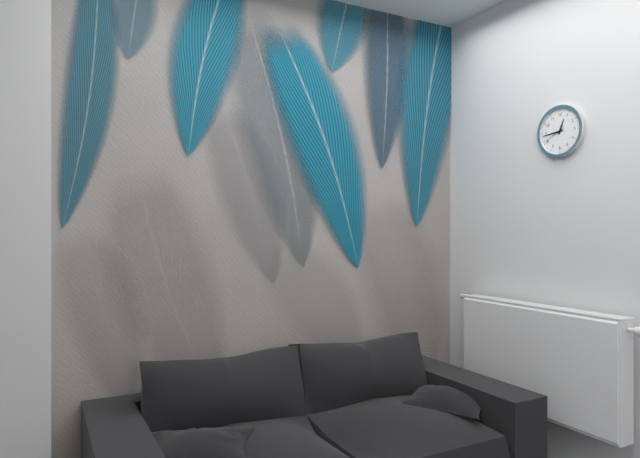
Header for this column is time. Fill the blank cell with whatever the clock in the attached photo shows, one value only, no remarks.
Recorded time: 12:44
